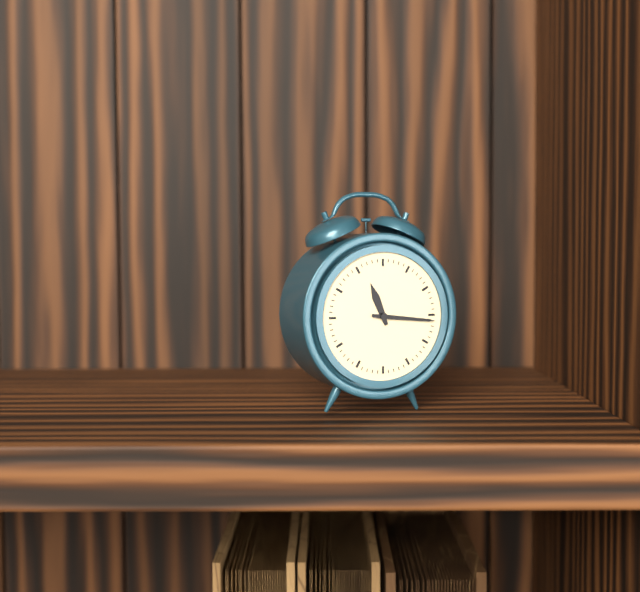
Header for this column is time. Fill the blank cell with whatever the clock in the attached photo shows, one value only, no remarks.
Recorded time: 11:16
